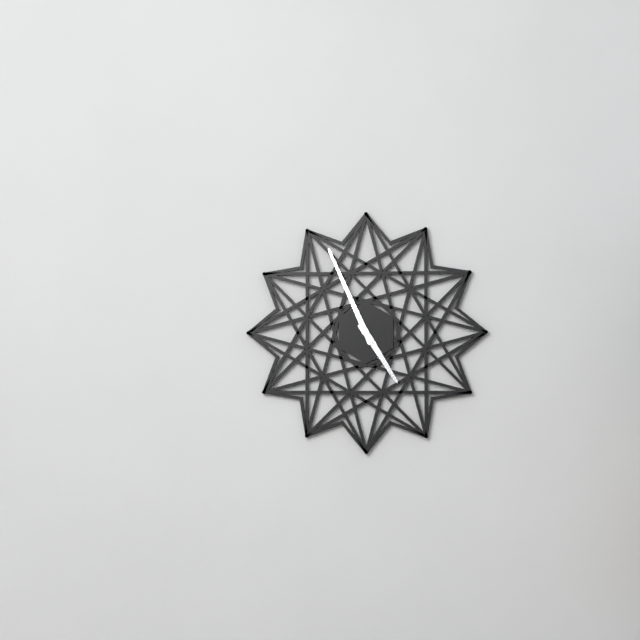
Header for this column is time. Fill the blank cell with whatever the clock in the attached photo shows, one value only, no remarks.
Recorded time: 4:56
